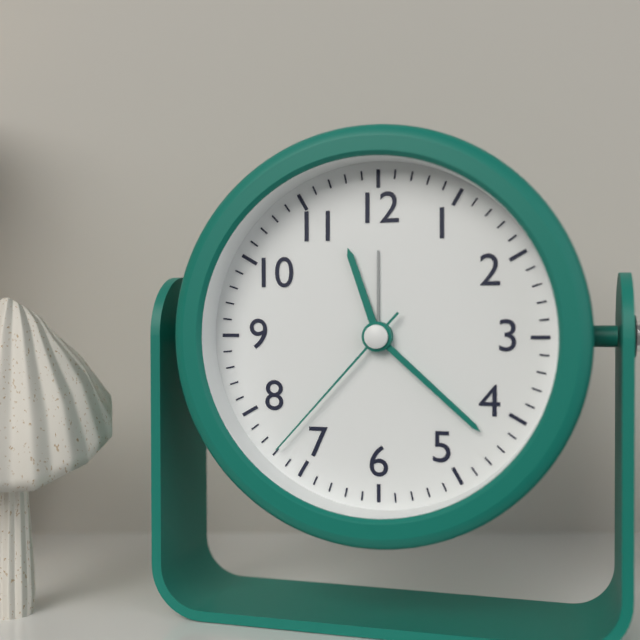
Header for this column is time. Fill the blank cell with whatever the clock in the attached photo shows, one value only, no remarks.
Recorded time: 11:22:37
